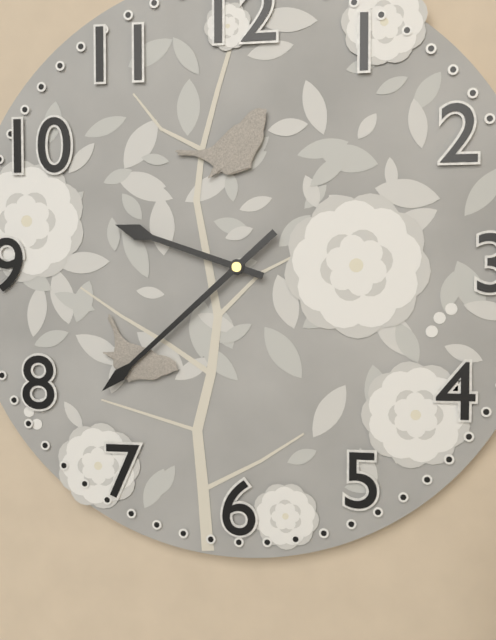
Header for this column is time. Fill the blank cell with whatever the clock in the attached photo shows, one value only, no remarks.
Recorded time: 9:38
